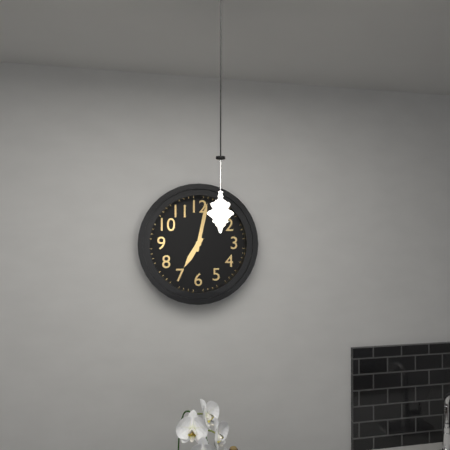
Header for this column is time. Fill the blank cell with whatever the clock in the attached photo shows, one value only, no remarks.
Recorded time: 7:02
